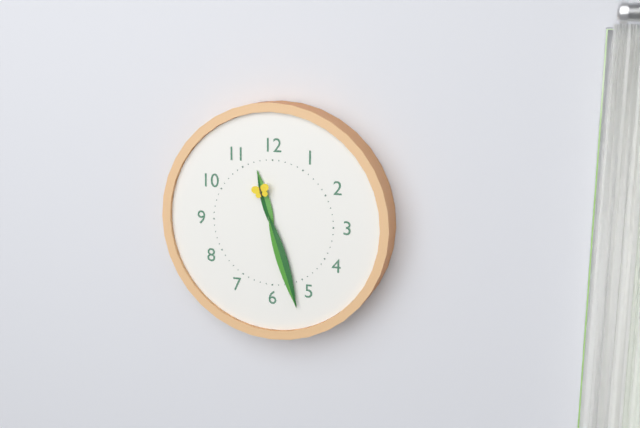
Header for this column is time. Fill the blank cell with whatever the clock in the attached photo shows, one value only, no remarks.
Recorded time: 11:27
